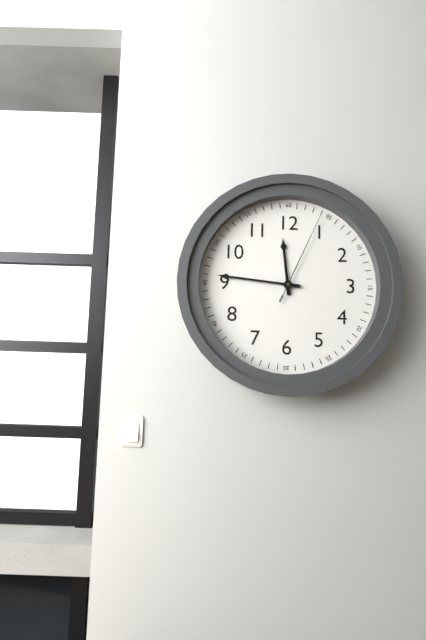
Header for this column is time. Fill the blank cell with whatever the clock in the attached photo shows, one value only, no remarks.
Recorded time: 11:46:04
